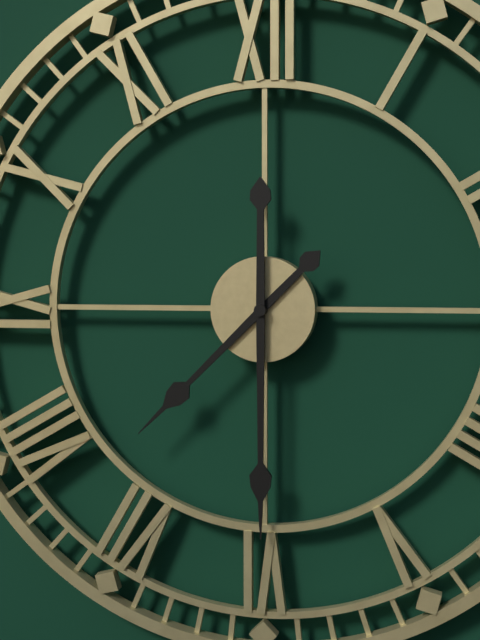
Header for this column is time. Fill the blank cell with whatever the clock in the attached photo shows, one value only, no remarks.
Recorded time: 7:30
